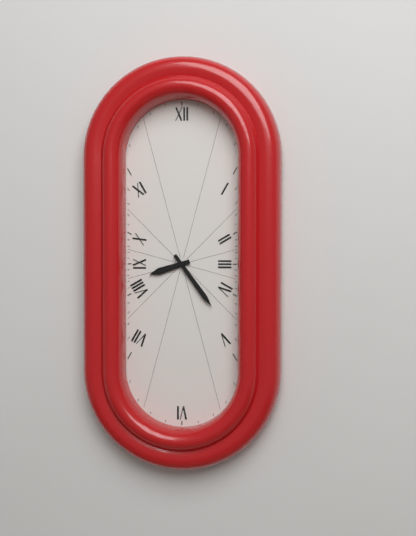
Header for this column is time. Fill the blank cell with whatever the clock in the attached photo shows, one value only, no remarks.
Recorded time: 8:24
